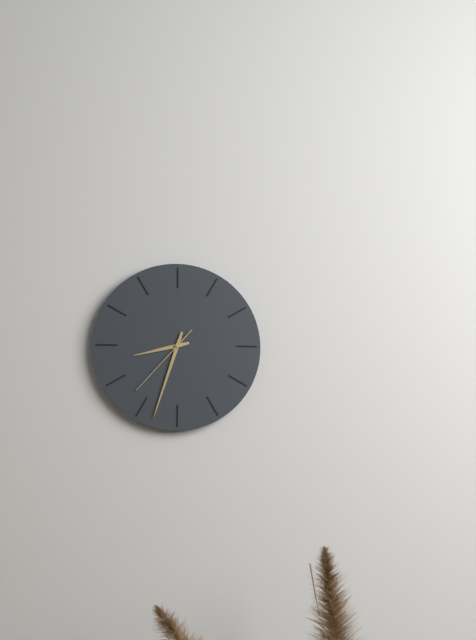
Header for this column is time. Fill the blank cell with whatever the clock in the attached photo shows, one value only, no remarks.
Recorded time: 8:33:37
